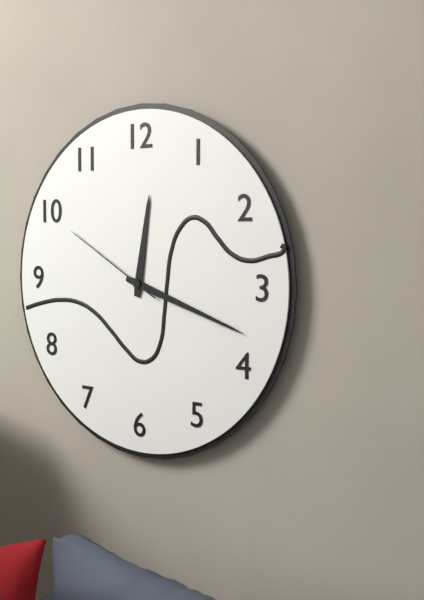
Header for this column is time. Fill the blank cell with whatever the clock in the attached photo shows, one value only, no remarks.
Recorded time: 12:18:50
